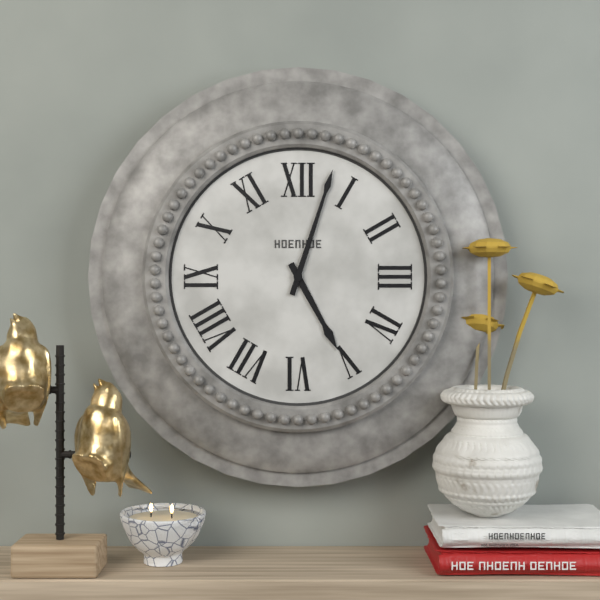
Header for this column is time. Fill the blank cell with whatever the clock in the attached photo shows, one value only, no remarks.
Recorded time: 5:03
